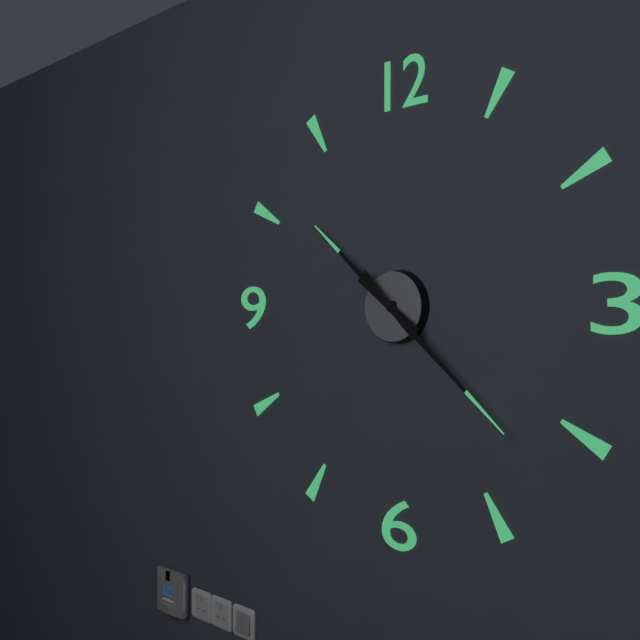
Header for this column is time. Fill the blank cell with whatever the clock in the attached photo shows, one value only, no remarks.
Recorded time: 10:22
